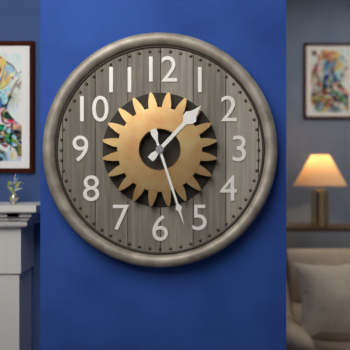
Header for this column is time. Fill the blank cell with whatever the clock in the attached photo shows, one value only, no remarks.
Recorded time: 1:27
